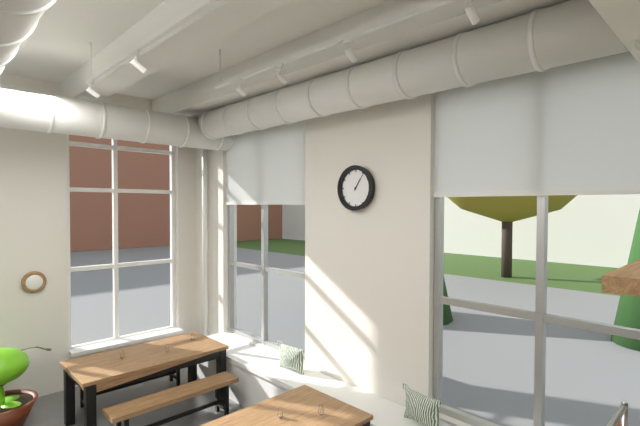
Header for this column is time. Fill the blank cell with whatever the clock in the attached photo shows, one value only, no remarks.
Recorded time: 1:06
